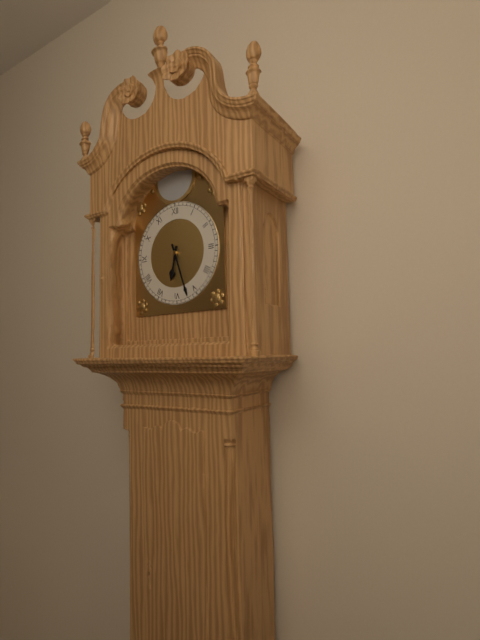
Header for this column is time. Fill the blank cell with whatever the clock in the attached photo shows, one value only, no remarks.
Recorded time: 6:27
